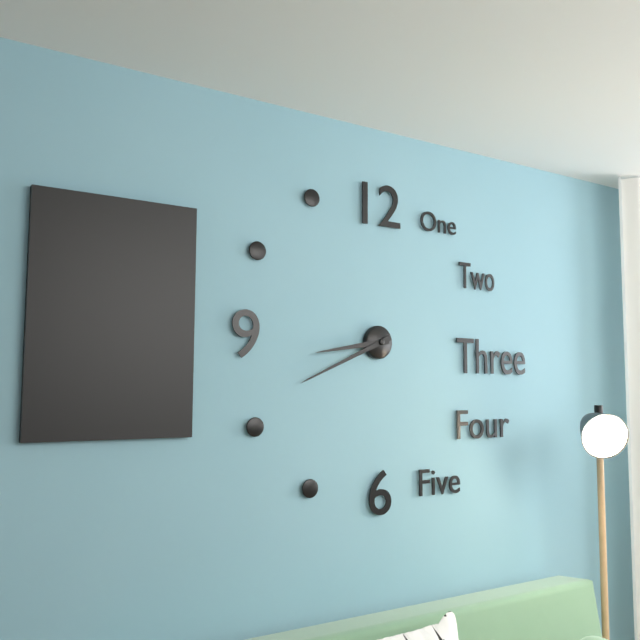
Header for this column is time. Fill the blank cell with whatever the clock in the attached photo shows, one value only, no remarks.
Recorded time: 8:41
